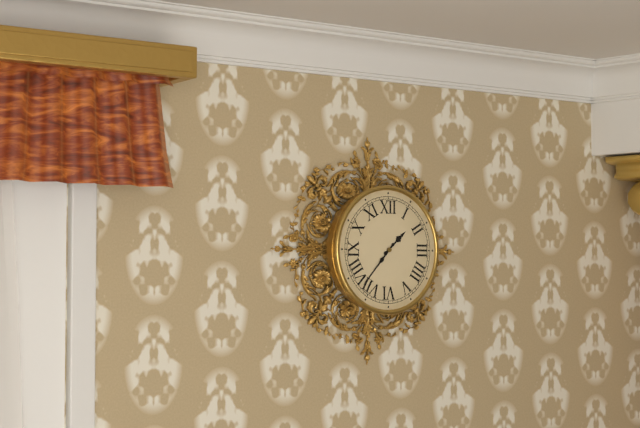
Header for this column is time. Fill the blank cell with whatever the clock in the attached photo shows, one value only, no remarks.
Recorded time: 1:37
